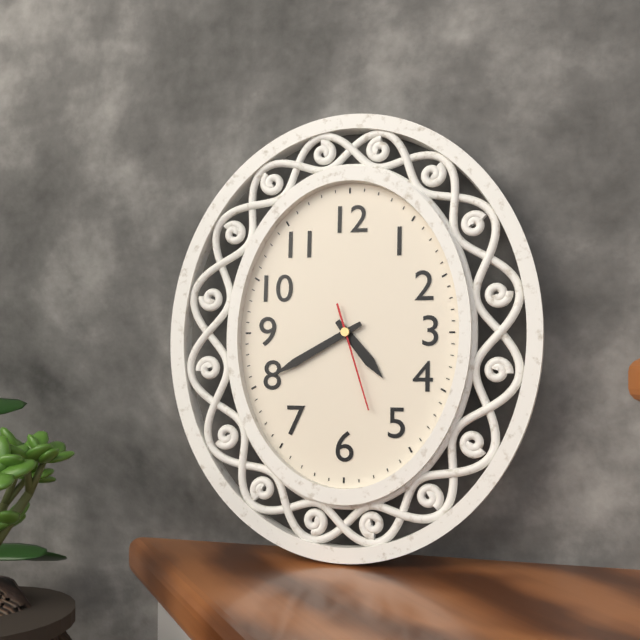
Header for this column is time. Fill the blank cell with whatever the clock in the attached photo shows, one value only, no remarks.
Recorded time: 4:40:27
